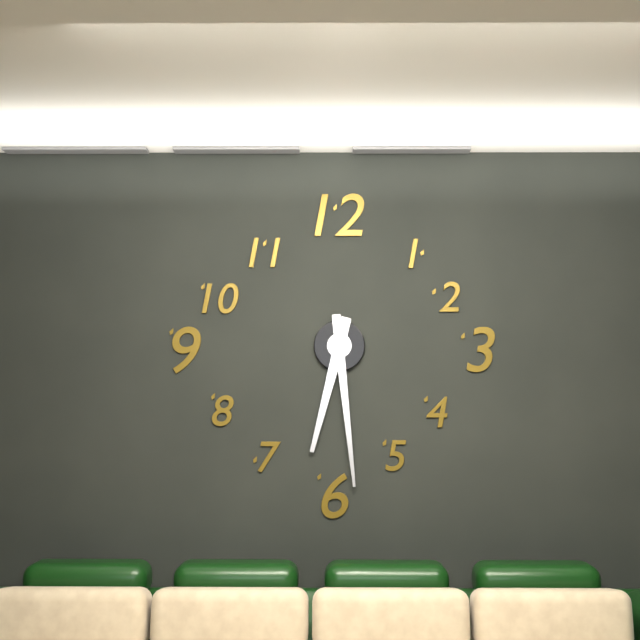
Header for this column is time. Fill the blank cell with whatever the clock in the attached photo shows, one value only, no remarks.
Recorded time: 6:29
